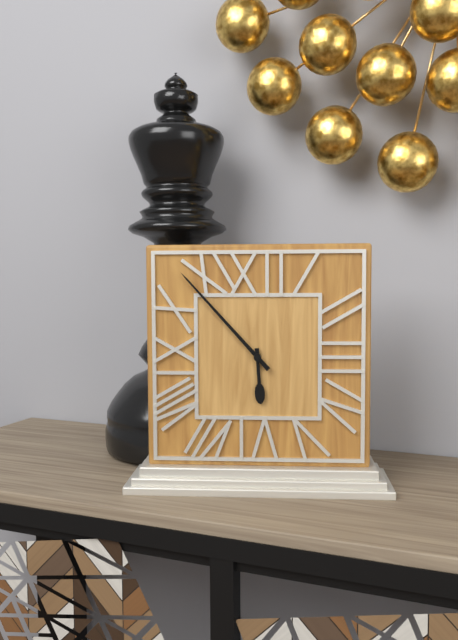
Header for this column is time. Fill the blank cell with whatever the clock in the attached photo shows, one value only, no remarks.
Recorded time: 5:53
